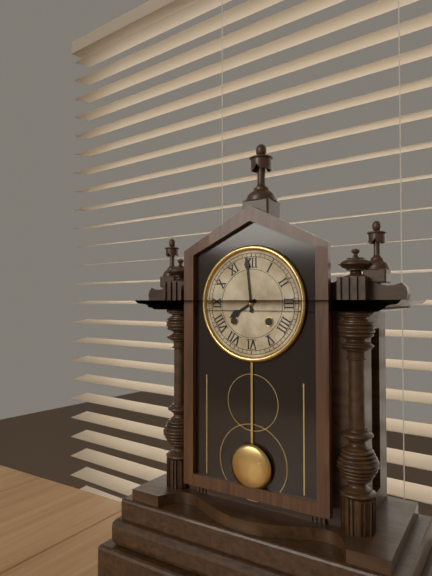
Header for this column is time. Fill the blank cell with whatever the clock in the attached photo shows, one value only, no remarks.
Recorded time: 7:59
